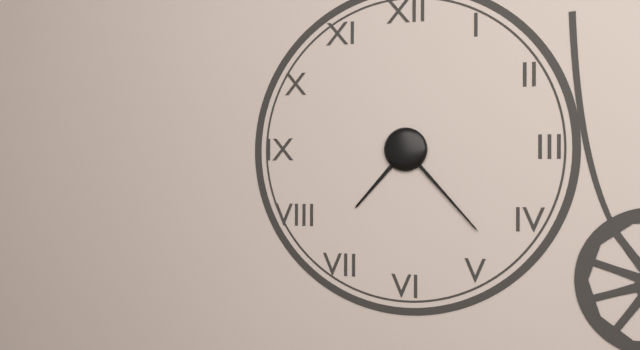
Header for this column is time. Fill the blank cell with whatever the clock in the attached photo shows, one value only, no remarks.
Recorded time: 7:23
